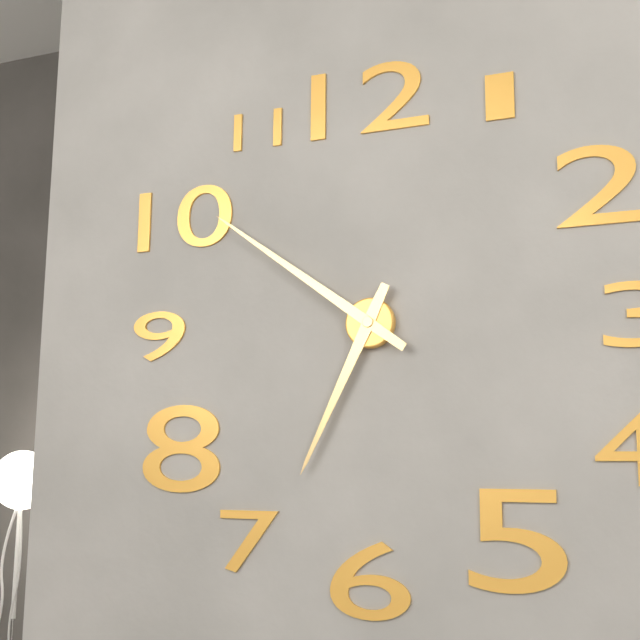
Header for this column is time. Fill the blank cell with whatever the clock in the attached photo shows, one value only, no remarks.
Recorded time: 6:51
